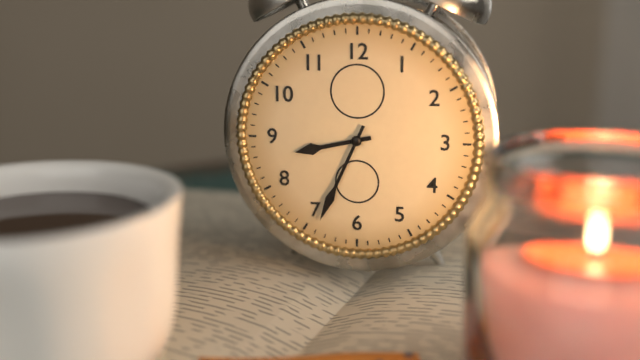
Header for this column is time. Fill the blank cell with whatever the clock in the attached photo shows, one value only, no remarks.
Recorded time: 8:34
